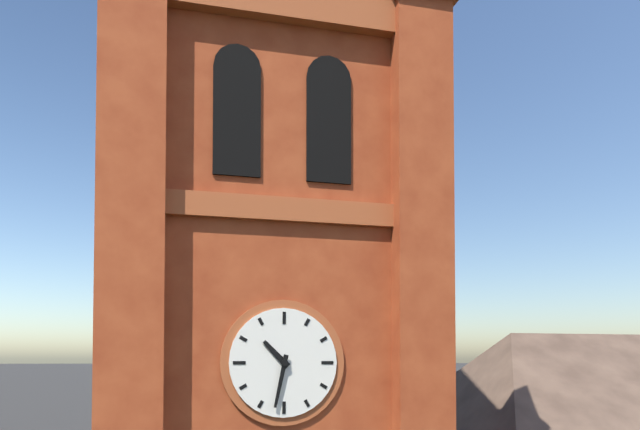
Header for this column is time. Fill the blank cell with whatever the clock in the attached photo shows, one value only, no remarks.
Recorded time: 10:32
